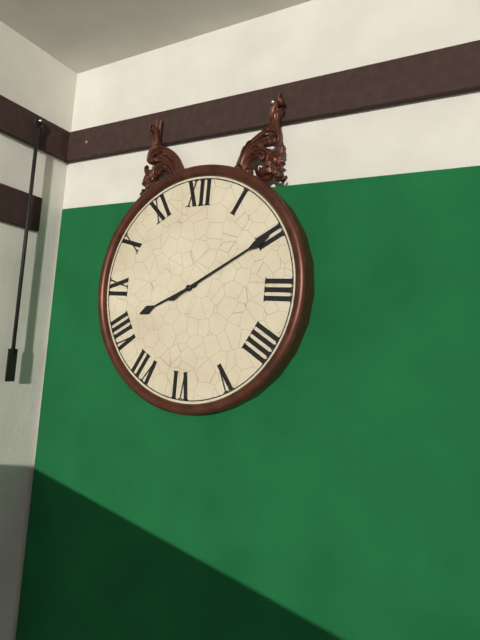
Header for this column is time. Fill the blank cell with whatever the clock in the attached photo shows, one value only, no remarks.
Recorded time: 8:10
